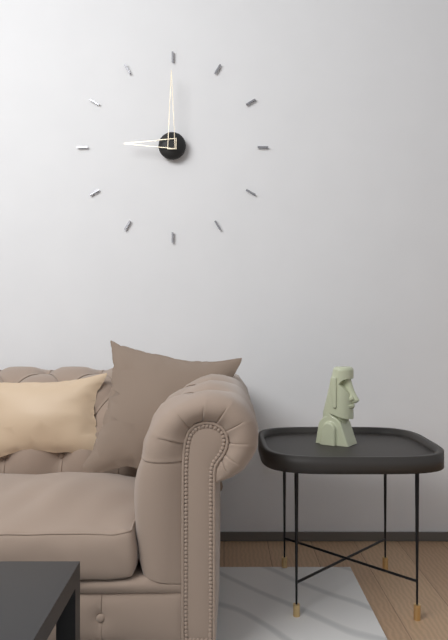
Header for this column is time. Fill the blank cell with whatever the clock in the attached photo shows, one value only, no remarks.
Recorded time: 9:00
